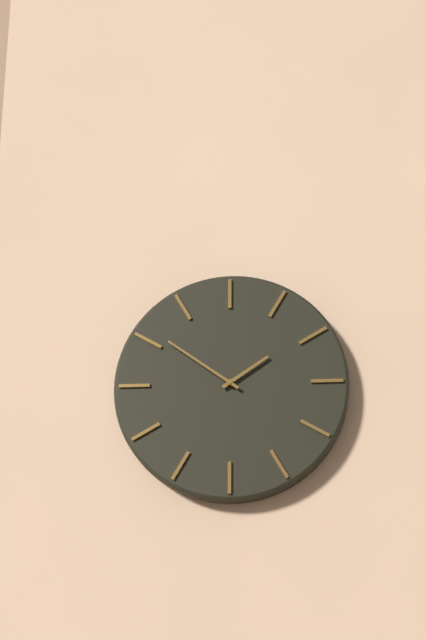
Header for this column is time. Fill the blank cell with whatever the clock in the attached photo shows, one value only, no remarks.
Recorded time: 1:51
